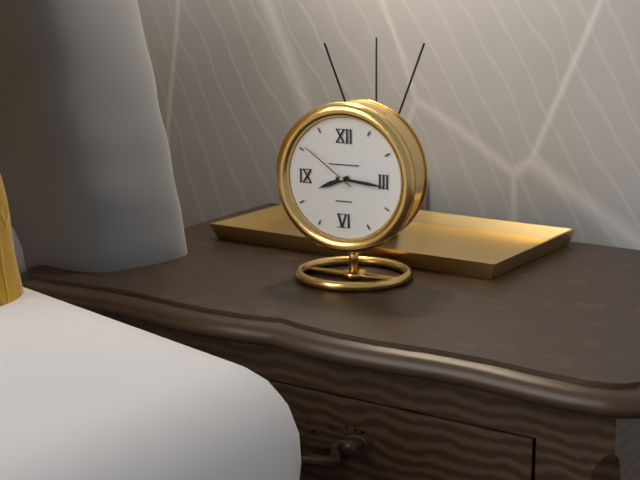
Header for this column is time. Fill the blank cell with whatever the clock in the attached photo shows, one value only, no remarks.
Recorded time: 8:16:51
